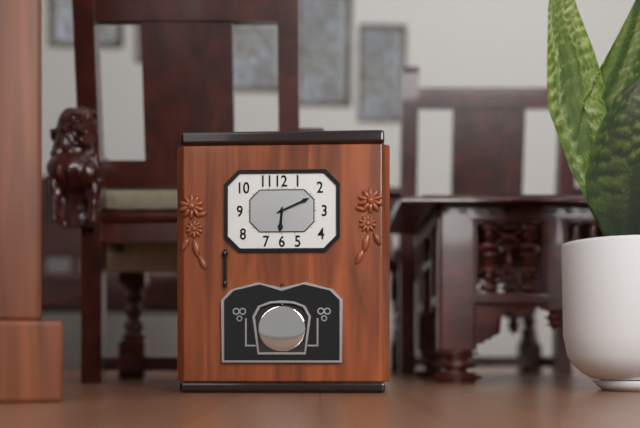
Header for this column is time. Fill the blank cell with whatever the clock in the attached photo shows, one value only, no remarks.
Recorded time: 6:11
